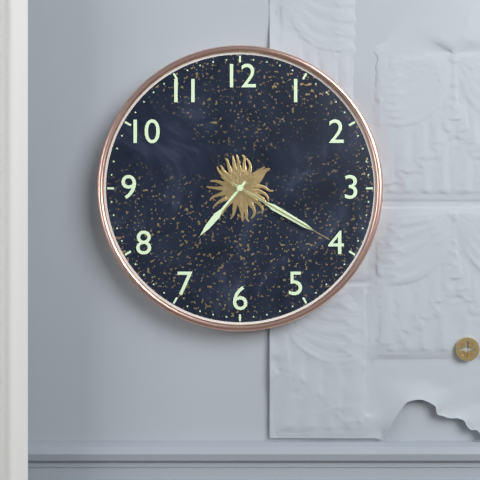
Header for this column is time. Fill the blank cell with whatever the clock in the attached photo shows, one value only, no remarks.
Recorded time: 7:20:20
